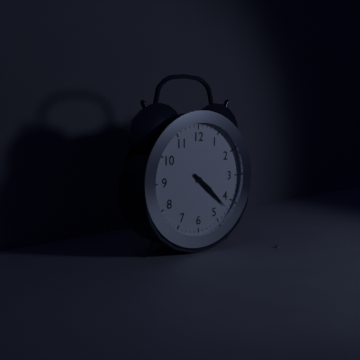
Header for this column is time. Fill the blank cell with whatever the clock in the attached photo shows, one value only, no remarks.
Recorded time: 4:22
